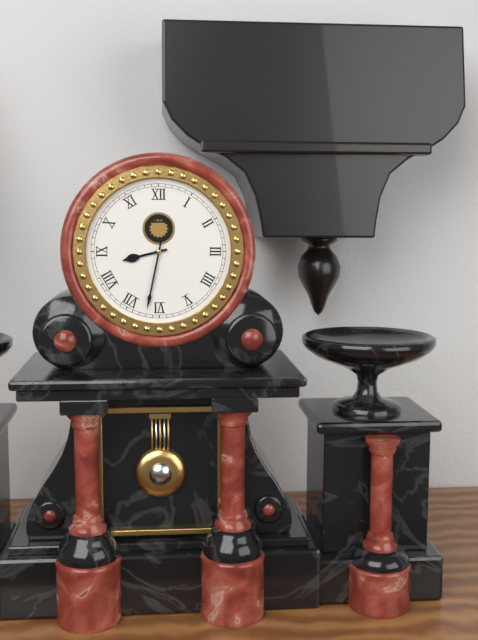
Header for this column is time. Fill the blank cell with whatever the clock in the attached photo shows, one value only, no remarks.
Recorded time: 8:32
